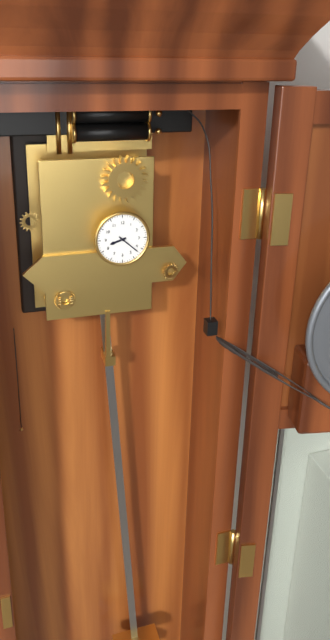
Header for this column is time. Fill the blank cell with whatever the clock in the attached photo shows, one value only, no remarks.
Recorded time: 8:22
